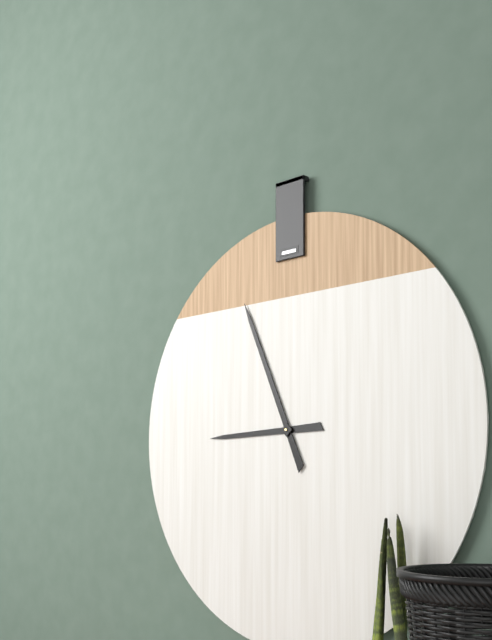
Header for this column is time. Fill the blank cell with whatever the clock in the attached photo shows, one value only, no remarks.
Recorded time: 8:56
